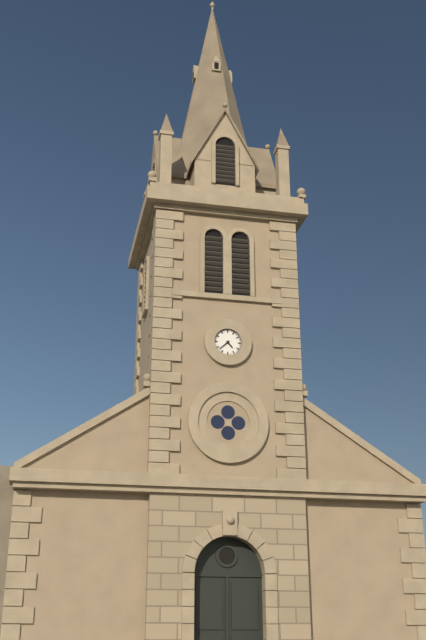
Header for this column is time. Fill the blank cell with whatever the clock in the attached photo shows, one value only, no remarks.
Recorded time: 4:38
